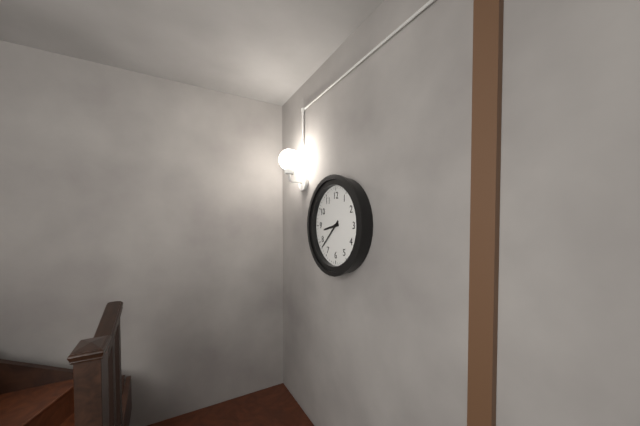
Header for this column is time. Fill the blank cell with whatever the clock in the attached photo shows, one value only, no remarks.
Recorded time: 8:38
